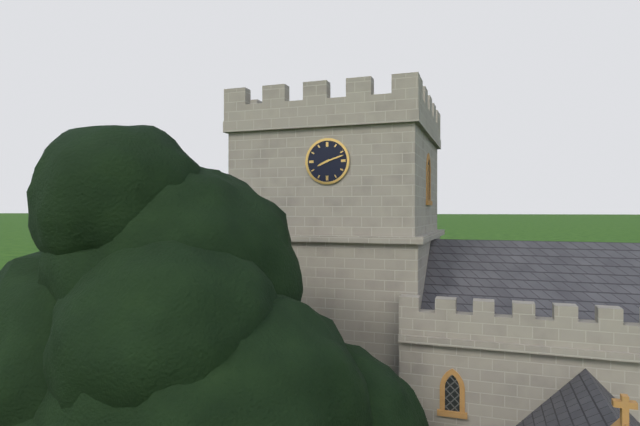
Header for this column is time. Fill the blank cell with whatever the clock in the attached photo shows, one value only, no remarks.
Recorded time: 8:12
